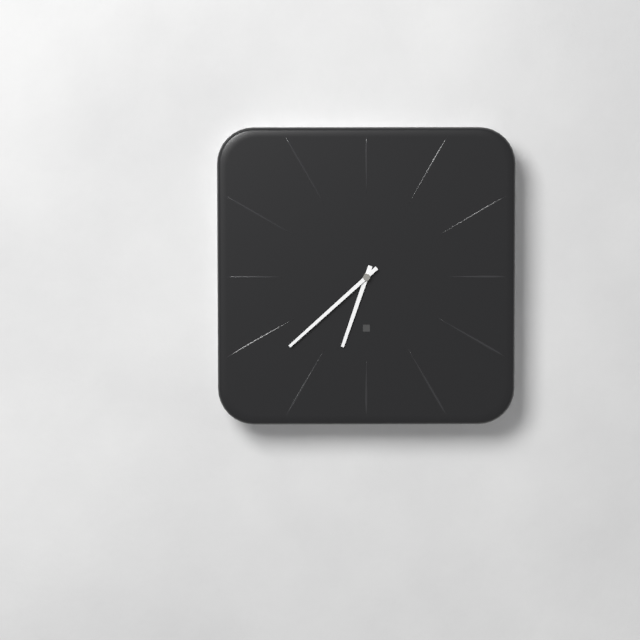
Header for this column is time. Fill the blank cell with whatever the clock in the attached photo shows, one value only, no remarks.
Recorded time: 6:38
